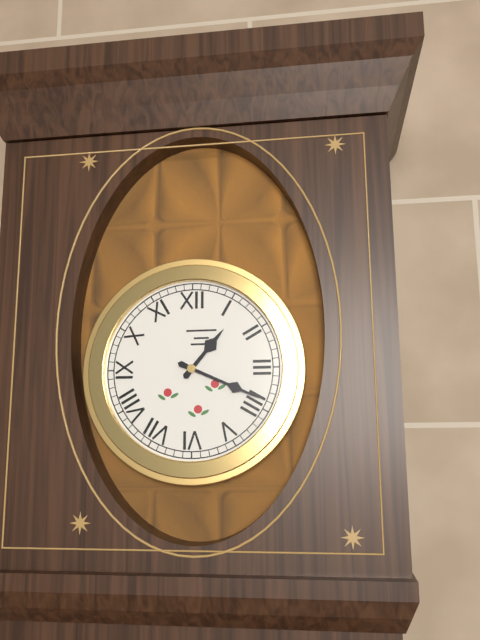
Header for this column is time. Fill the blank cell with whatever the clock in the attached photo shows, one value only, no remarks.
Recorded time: 1:19
